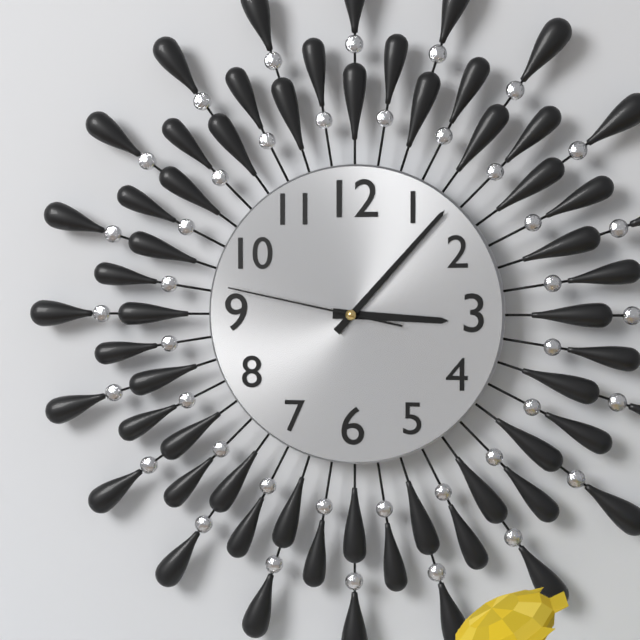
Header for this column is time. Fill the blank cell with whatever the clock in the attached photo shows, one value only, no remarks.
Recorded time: 3:07:47
